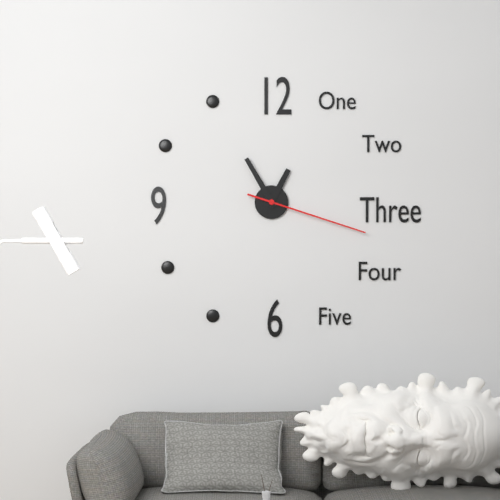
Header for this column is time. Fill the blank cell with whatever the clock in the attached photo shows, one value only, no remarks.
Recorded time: 12:55:18
